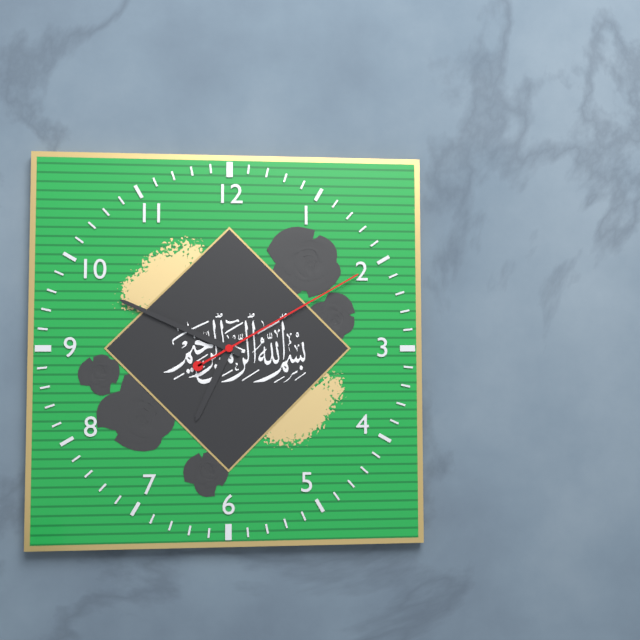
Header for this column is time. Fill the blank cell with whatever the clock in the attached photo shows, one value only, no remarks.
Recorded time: 6:49:10
